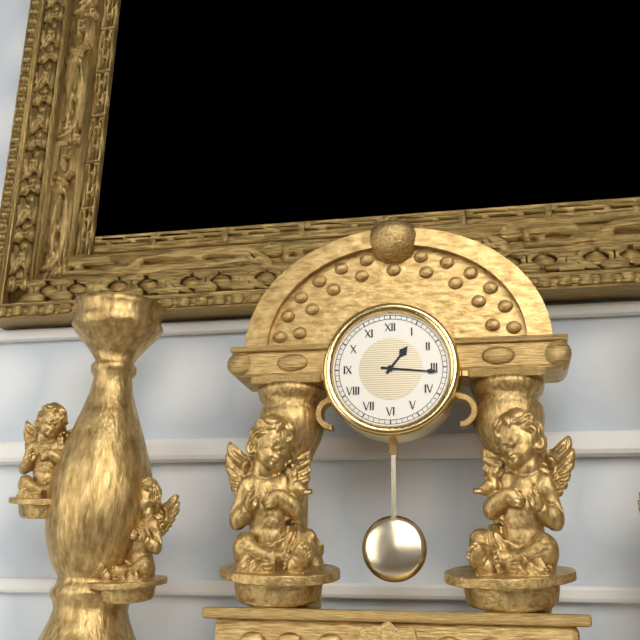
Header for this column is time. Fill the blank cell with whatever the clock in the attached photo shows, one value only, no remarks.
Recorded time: 1:16
